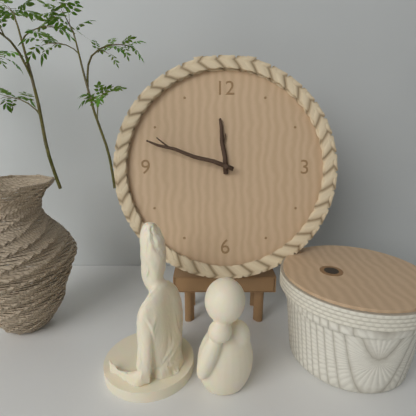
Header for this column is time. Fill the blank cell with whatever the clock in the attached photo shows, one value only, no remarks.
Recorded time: 11:48
